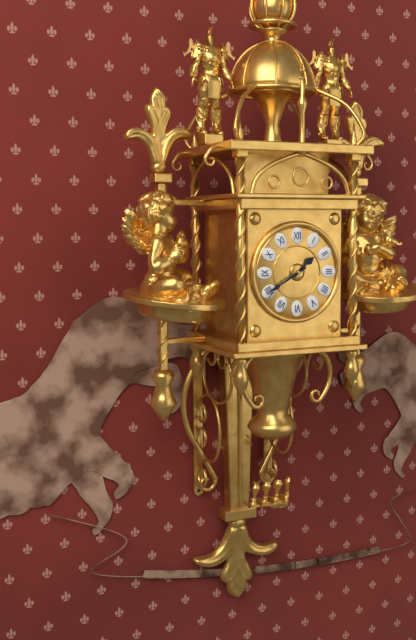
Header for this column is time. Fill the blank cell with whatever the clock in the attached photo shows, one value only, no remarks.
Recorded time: 1:40
